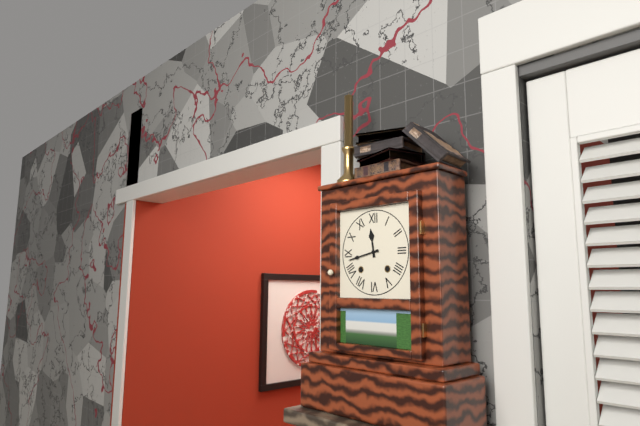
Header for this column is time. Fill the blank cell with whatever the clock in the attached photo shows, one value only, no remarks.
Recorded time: 11:43
